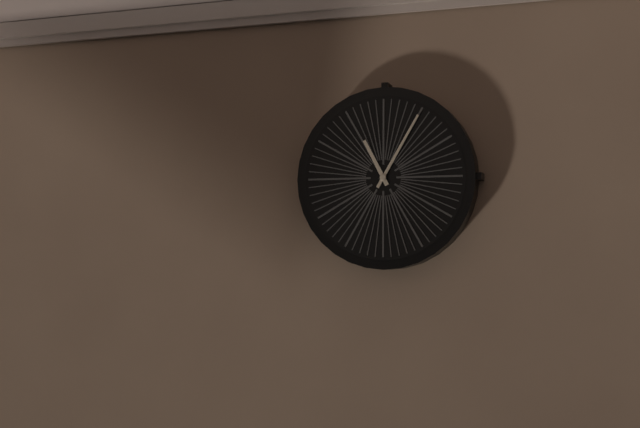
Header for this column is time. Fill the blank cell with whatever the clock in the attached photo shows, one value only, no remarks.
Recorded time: 11:05
